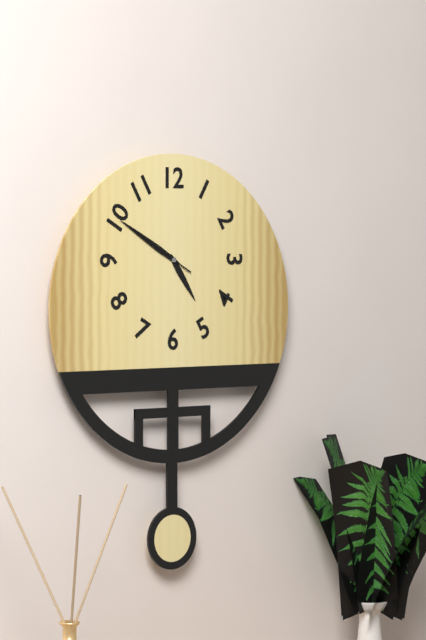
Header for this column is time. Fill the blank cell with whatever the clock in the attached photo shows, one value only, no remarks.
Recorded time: 4:50:50
